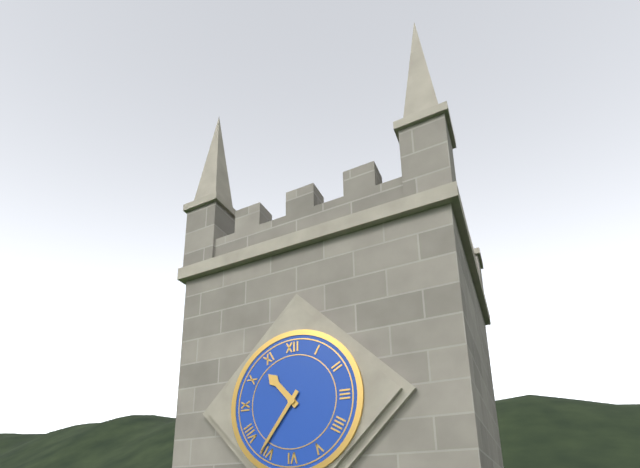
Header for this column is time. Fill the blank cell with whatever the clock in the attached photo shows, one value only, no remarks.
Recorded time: 10:36
